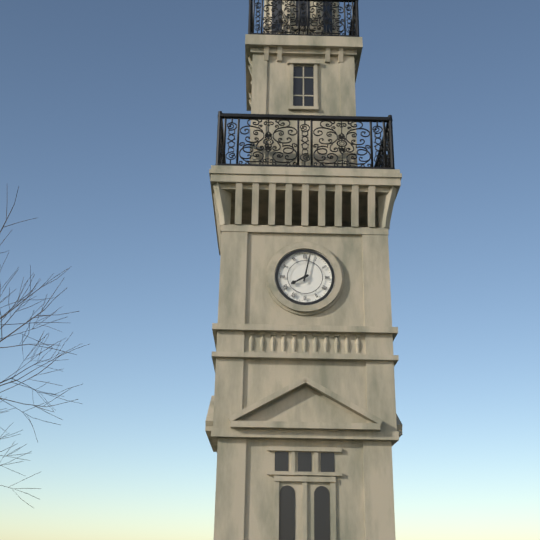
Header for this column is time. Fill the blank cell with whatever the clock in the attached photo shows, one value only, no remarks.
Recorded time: 8:02
